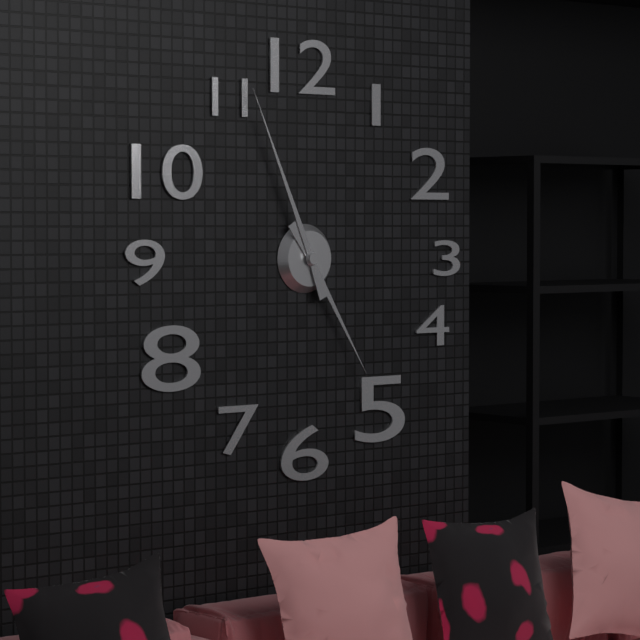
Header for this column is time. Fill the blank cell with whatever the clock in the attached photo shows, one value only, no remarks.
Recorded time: 4:56
